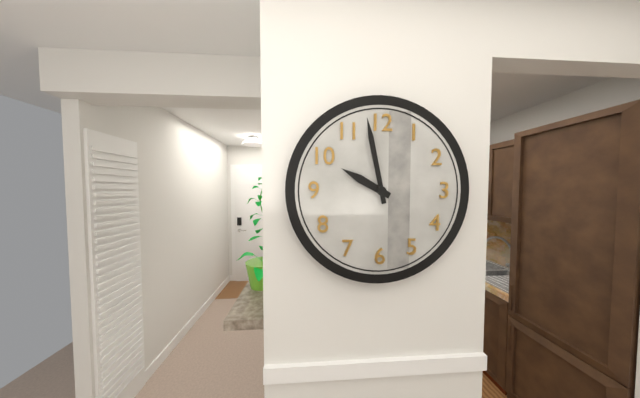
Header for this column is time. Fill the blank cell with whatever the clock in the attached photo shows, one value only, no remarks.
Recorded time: 9:58
